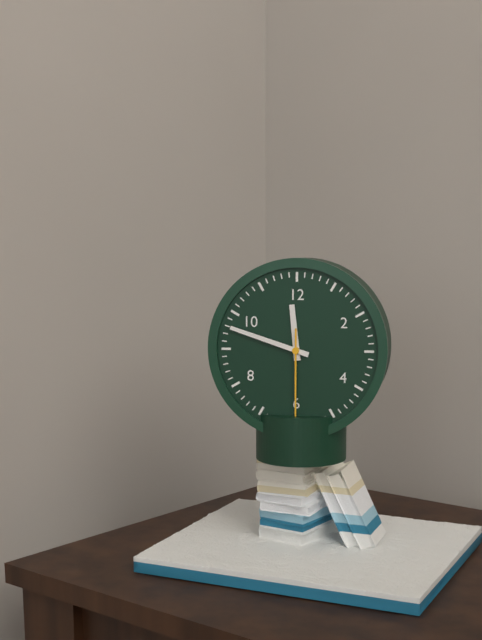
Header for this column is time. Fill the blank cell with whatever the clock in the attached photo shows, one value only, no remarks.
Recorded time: 11:48:30
